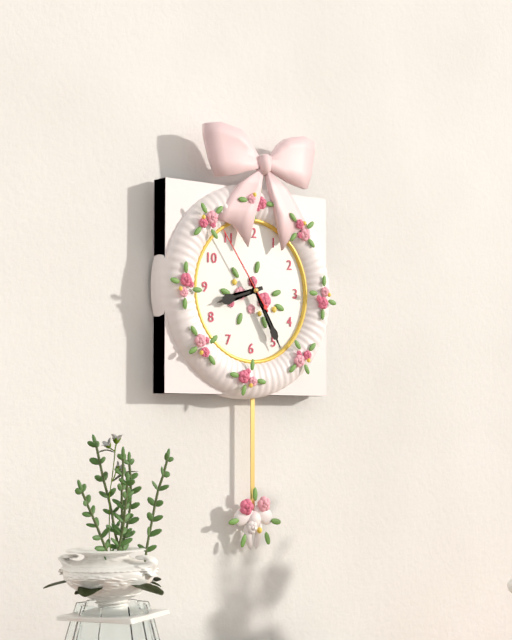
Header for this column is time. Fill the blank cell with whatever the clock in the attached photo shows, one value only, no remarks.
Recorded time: 8:25:54
